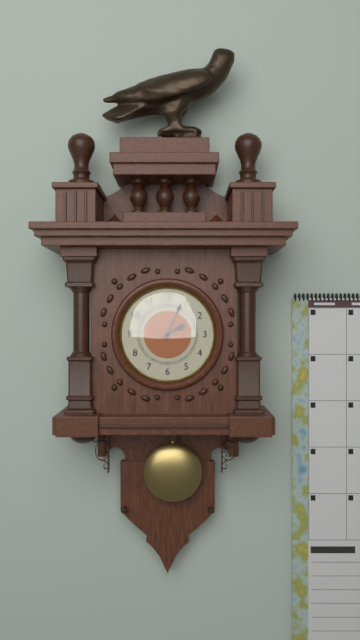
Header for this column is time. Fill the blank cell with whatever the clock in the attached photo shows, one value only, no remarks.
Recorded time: 2:04
